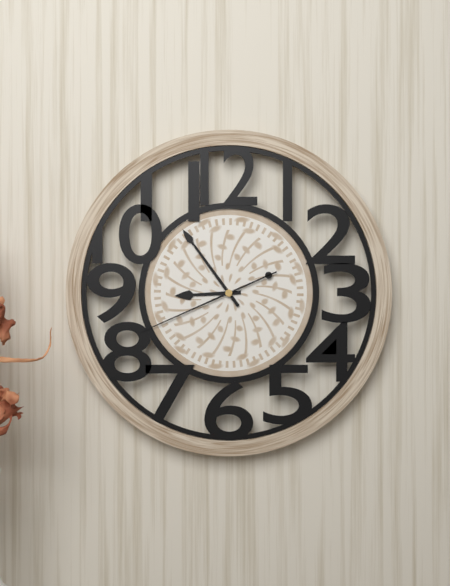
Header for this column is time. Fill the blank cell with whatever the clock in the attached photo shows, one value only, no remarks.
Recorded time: 8:54:41
